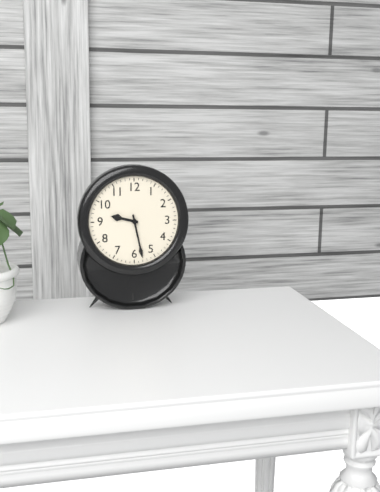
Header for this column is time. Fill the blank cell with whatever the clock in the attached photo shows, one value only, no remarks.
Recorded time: 9:28
